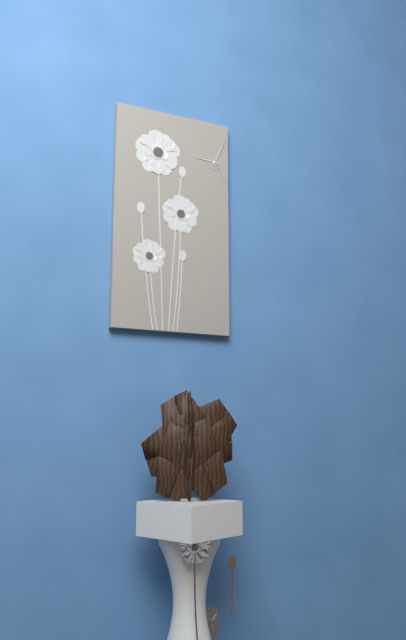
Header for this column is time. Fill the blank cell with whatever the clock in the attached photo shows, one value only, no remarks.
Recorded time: 9:04
